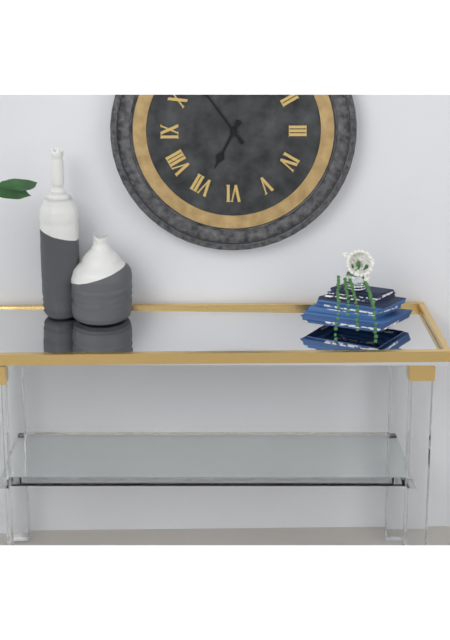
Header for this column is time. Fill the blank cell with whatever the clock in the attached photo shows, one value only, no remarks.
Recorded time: 6:54
